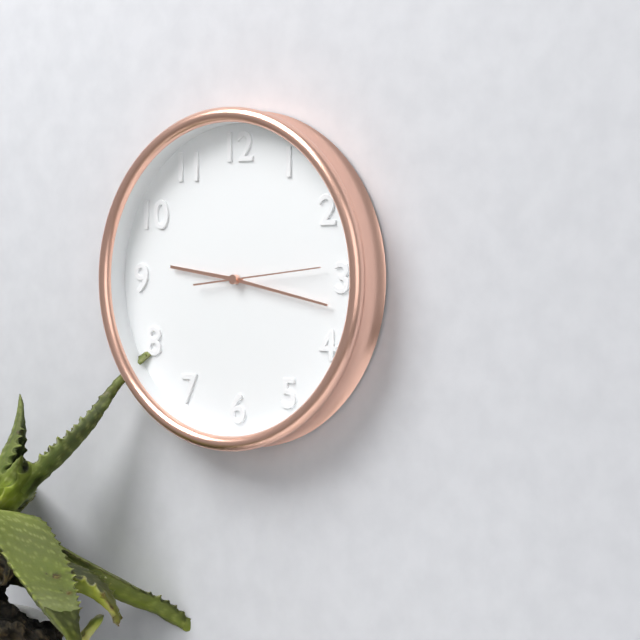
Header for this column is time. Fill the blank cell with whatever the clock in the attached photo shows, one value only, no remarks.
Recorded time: 9:17:14
